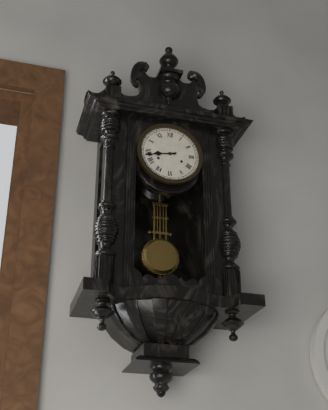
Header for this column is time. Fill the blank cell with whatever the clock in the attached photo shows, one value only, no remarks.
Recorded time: 8:43
